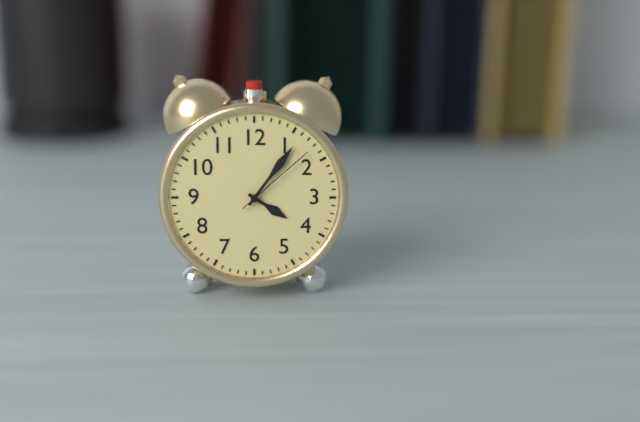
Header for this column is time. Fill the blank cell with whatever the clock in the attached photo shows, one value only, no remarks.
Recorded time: 4:06:08
